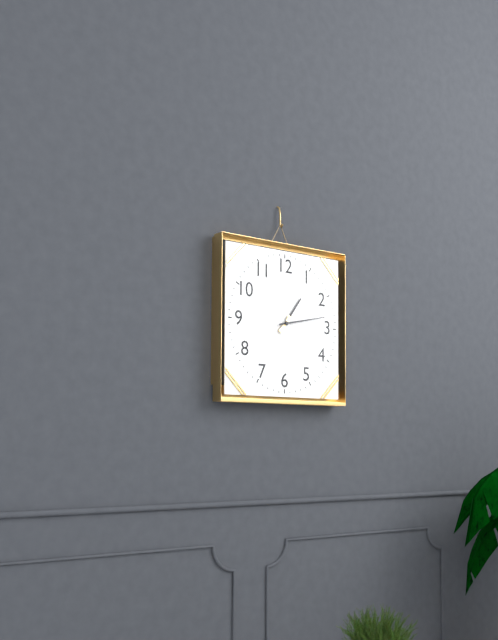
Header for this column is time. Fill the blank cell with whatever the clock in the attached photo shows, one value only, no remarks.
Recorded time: 1:13
